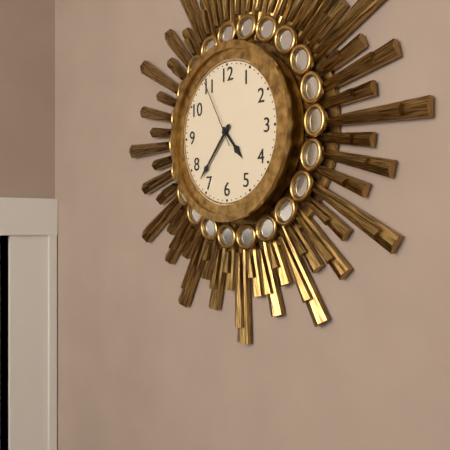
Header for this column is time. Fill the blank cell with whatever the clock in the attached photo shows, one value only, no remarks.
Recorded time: 4:37:55
